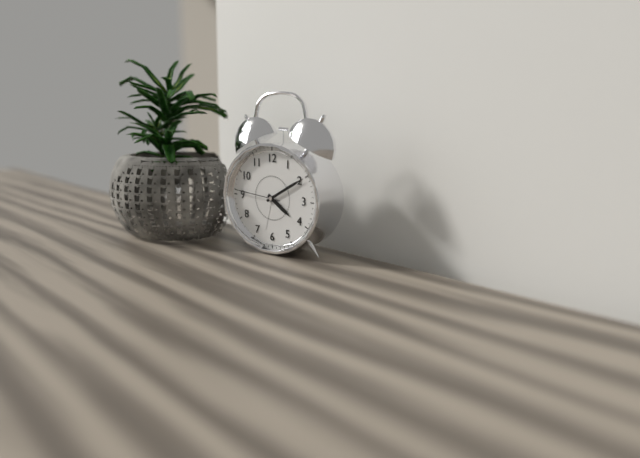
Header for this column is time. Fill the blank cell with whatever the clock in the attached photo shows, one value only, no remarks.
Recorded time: 4:10
